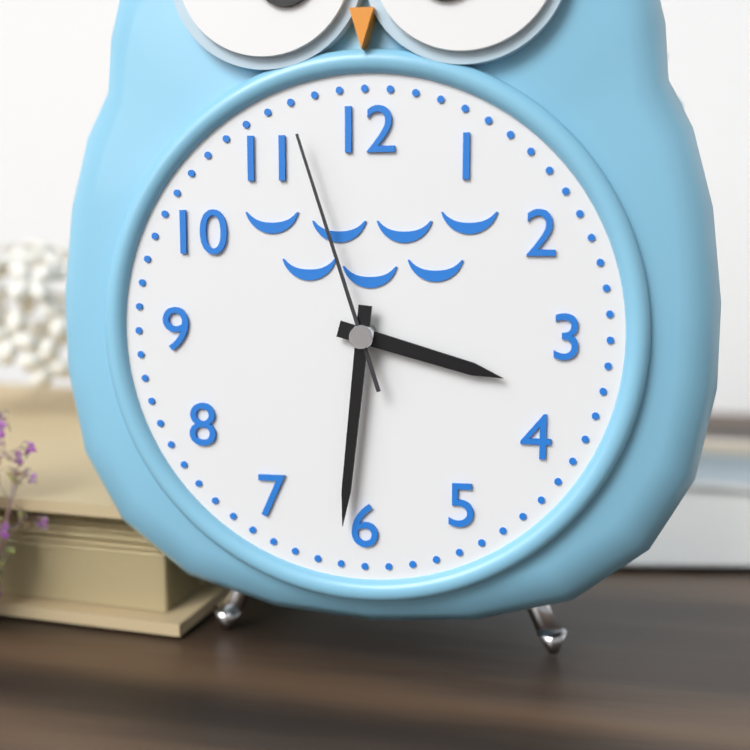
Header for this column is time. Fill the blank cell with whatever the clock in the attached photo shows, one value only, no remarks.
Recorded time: 3:31:57
